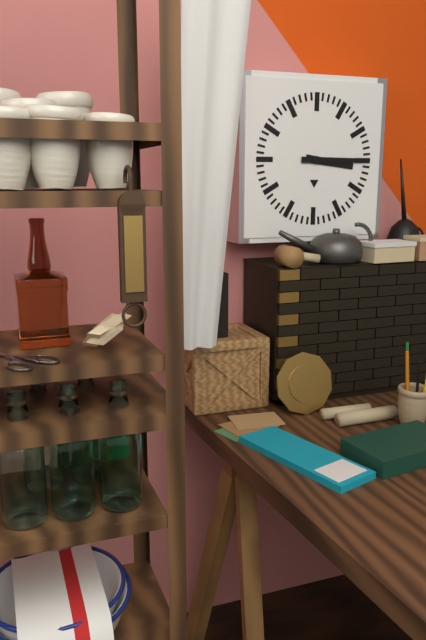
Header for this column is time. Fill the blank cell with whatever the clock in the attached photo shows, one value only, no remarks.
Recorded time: 3:15
